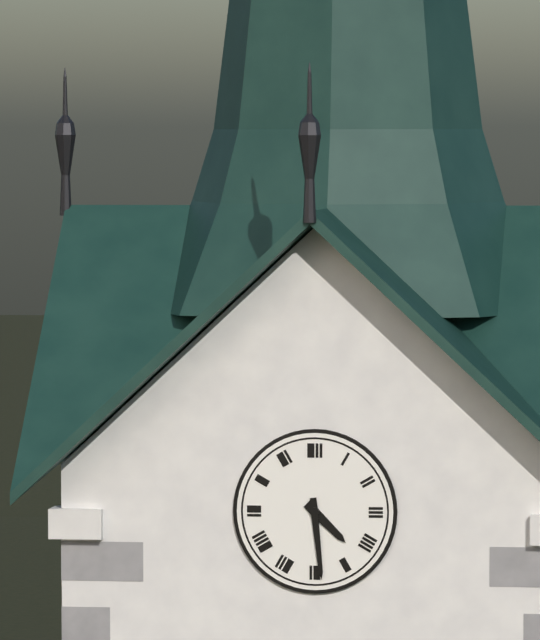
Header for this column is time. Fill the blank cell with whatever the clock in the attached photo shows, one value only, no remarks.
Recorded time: 4:29
